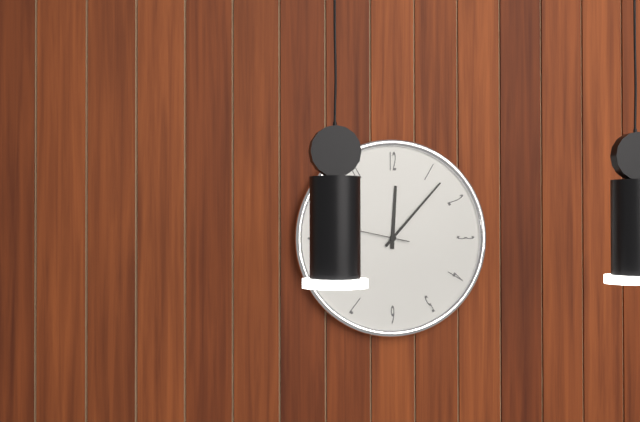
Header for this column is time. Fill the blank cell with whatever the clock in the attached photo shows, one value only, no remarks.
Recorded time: 12:07
